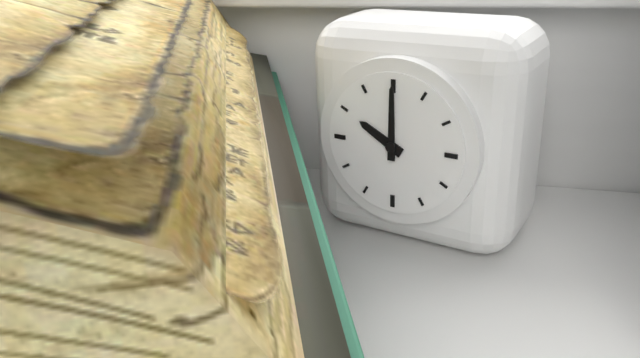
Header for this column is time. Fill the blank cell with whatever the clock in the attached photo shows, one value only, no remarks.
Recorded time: 10:00
